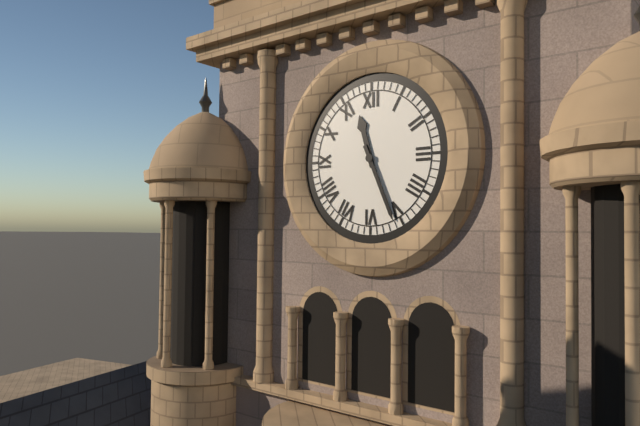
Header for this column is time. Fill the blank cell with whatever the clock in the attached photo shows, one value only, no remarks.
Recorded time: 11:26
